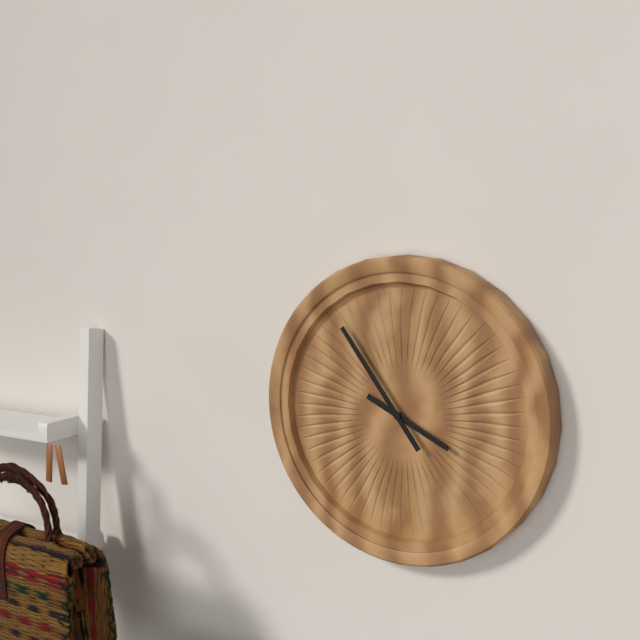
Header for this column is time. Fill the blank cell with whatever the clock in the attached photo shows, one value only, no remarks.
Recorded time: 3:54
